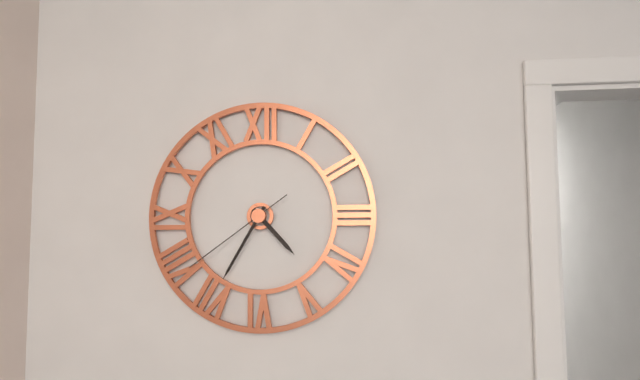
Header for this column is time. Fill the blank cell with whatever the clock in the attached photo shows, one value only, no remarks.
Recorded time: 4:35:39
